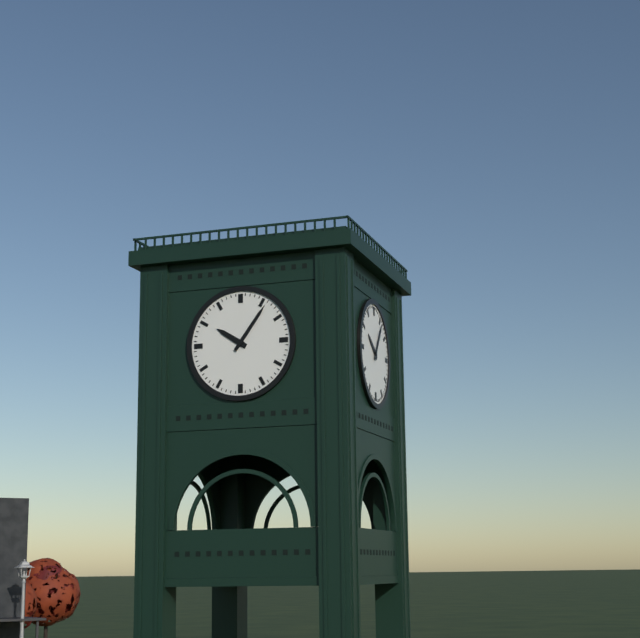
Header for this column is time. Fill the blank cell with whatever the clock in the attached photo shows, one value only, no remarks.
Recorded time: 10:06
